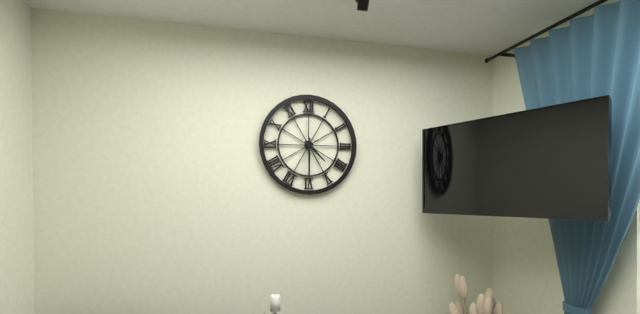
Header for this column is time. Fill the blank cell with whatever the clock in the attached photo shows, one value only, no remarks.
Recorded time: 4:30
